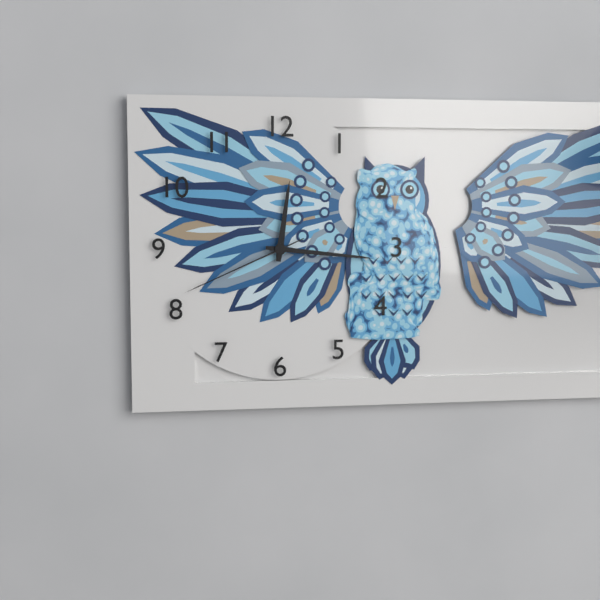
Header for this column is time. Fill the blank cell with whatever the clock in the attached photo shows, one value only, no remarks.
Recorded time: 12:16:41
